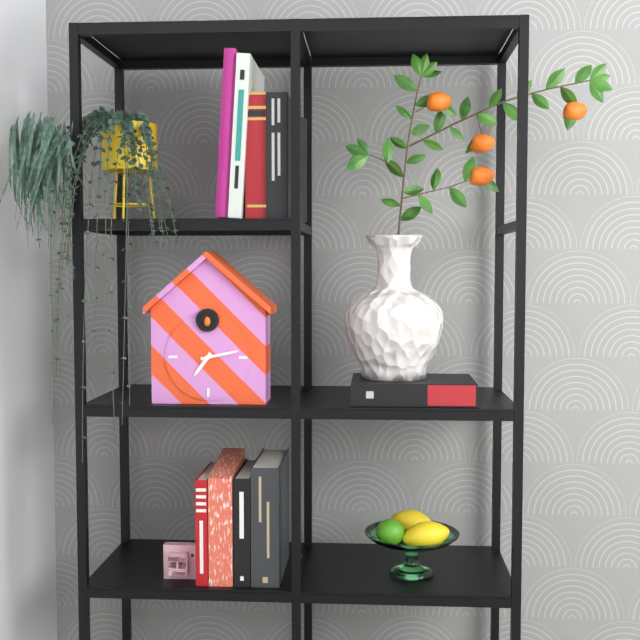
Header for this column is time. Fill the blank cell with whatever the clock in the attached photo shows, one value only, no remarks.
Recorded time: 7:13
